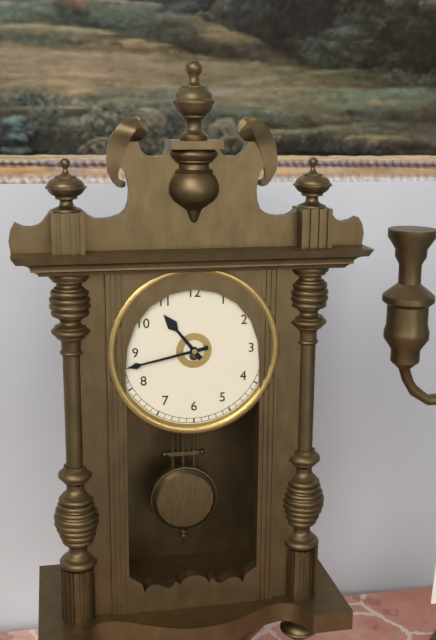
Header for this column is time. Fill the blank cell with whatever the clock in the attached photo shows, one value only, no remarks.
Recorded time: 10:43
